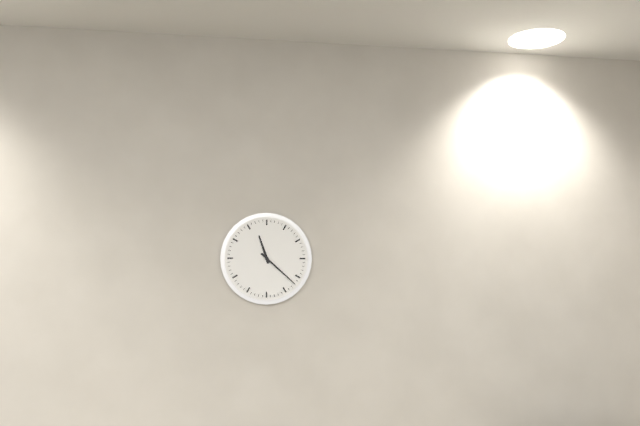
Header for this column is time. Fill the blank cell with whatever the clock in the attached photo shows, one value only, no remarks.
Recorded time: 11:22
